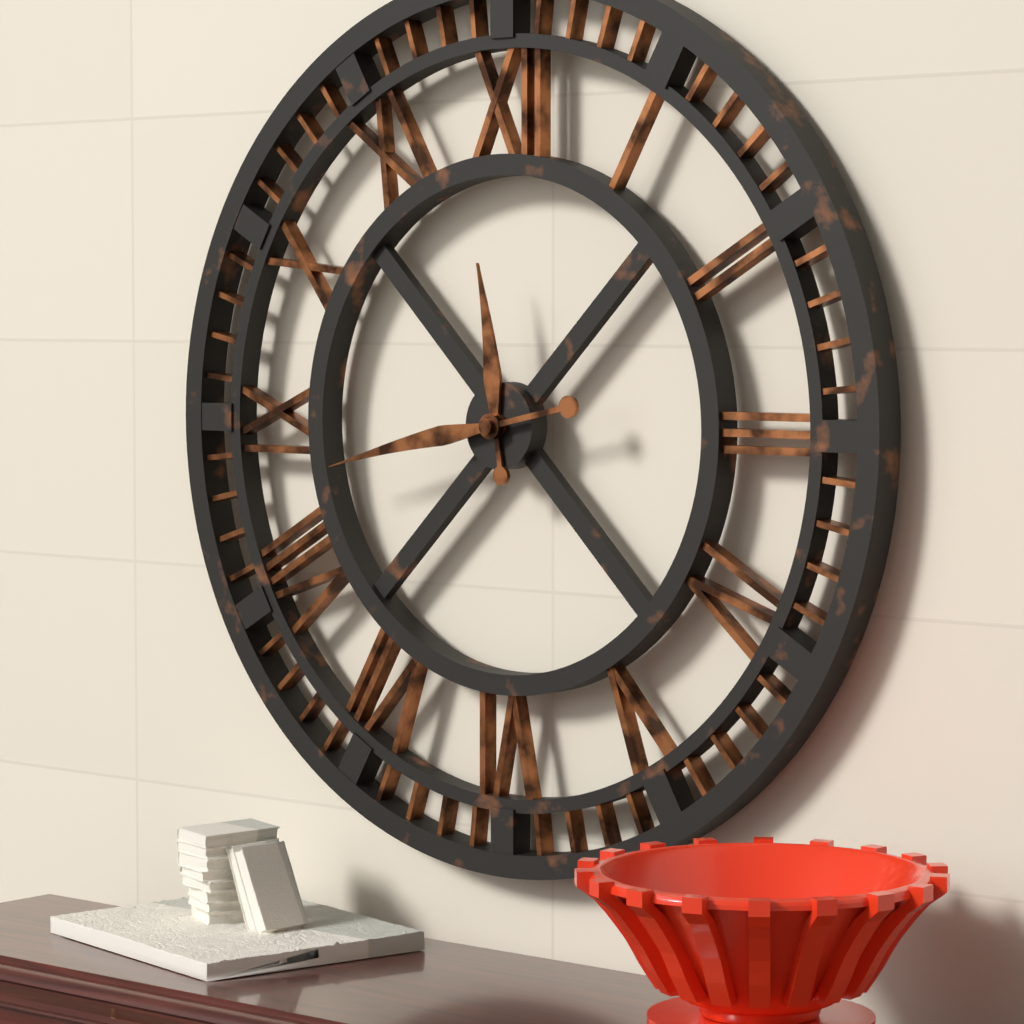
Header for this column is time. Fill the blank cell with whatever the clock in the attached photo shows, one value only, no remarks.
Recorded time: 11:43
